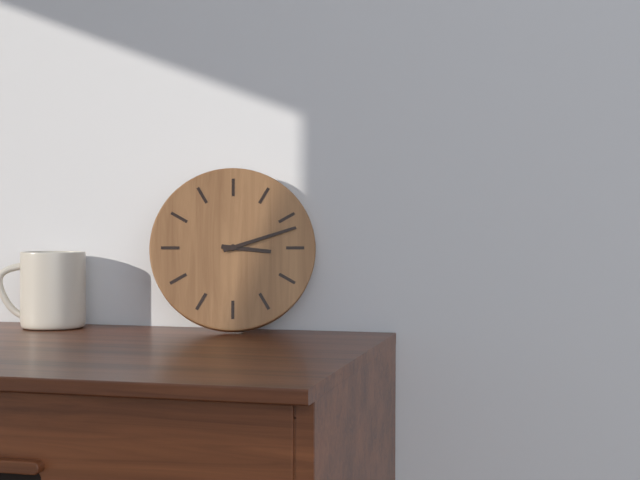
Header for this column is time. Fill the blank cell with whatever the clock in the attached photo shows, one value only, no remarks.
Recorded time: 3:12
